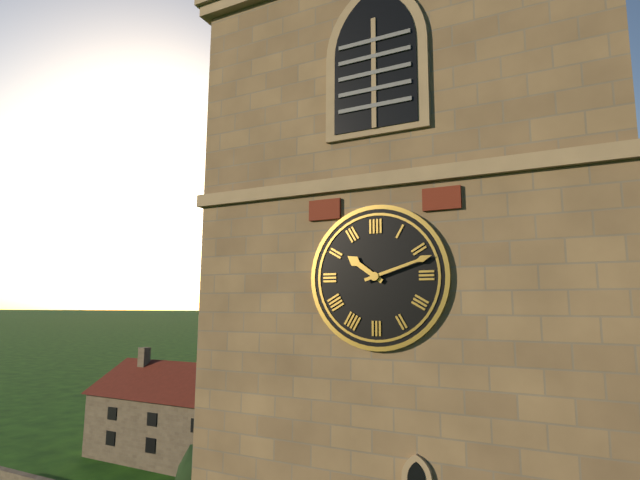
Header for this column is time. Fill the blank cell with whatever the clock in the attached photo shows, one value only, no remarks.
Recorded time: 10:12
